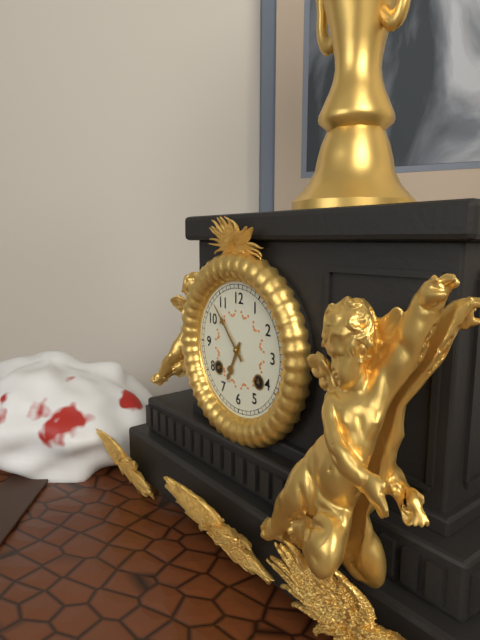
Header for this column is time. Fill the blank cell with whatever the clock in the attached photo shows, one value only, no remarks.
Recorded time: 6:53
